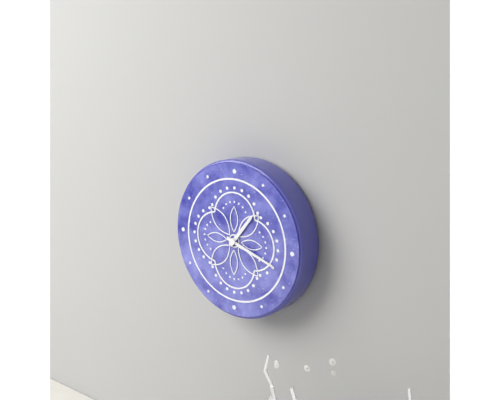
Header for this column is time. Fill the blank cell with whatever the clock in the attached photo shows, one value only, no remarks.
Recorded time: 1:18
